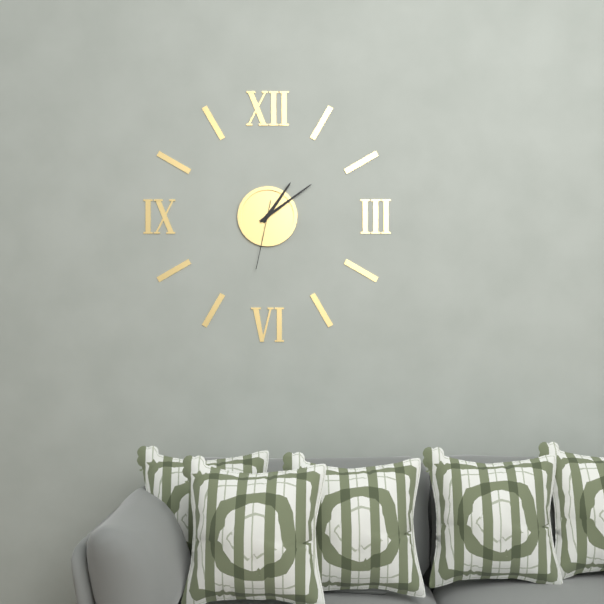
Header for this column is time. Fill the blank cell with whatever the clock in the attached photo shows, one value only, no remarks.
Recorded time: 1:09:32
